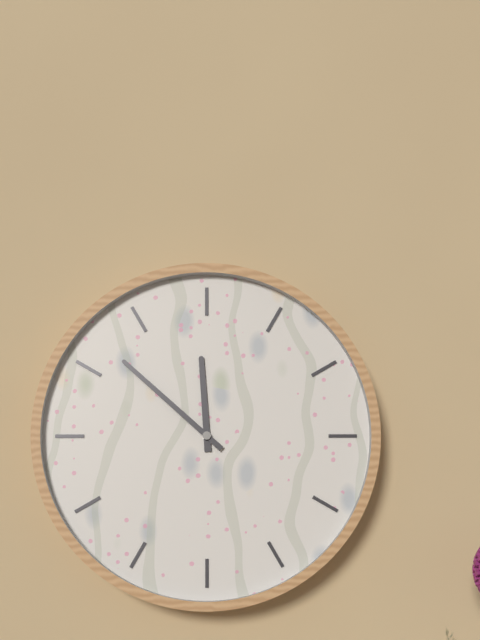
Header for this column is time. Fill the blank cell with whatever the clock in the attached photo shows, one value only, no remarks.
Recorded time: 11:52
